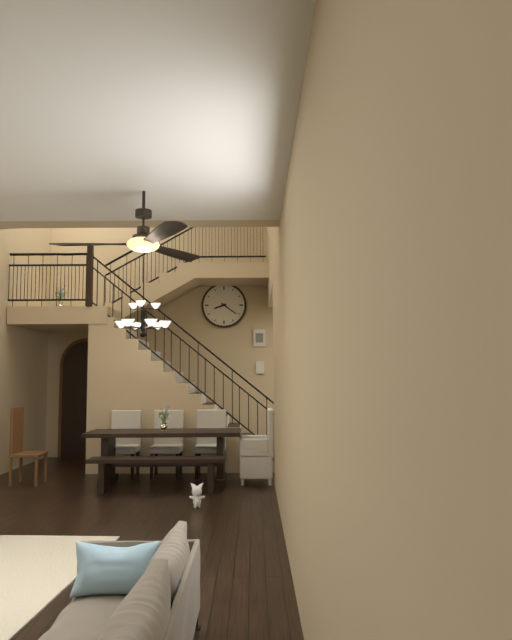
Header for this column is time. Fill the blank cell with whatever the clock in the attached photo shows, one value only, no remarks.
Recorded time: 8:21
